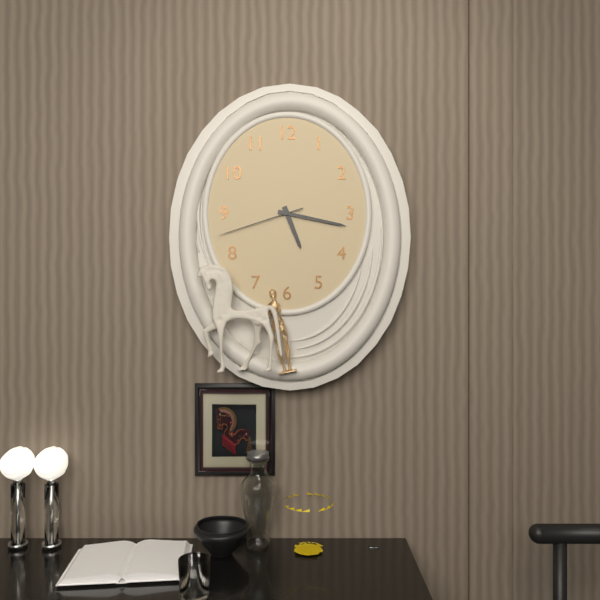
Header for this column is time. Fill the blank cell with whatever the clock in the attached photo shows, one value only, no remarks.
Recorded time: 5:17:42
